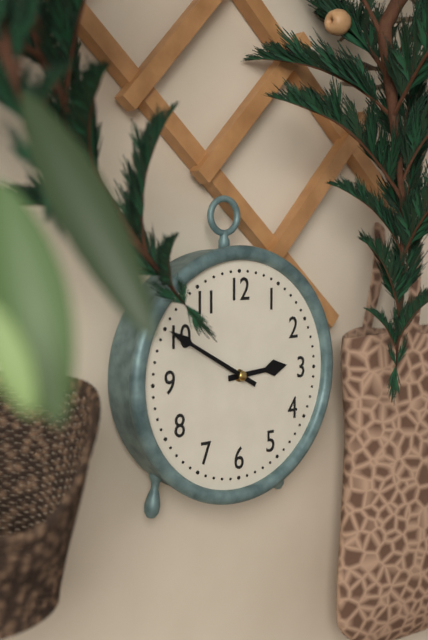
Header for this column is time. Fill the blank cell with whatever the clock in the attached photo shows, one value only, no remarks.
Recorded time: 2:50
